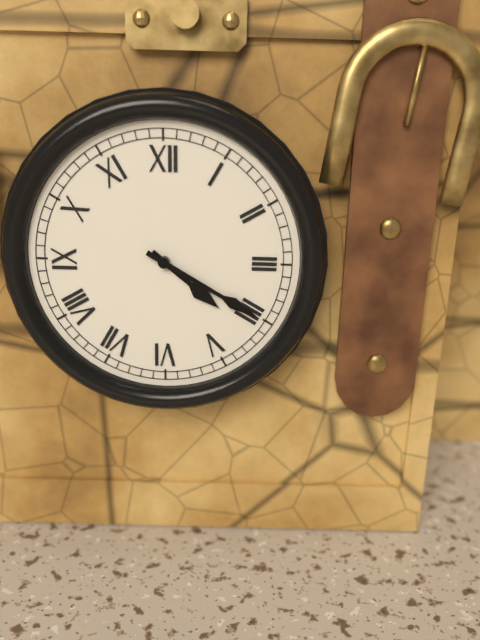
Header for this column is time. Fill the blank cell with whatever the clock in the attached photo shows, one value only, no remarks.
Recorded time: 4:20
